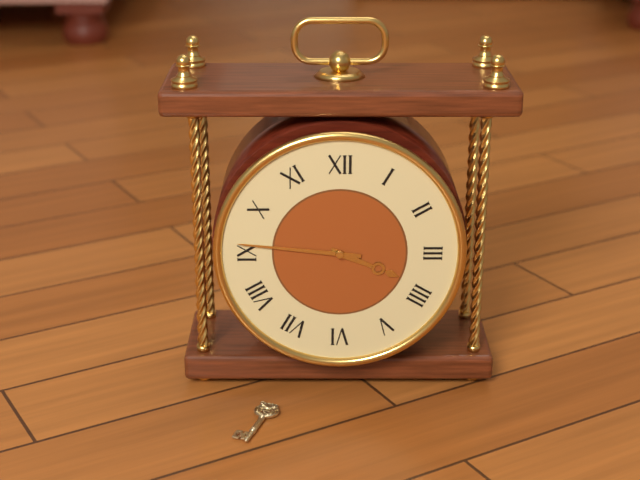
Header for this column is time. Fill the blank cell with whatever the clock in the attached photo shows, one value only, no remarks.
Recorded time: 3:46
